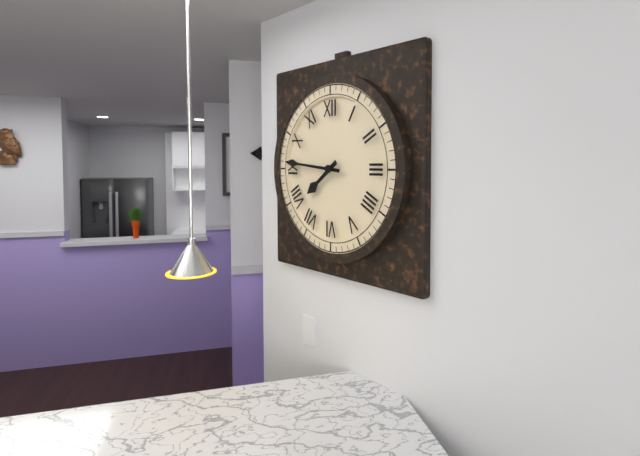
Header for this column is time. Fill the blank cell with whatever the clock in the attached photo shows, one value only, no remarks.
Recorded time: 7:46
